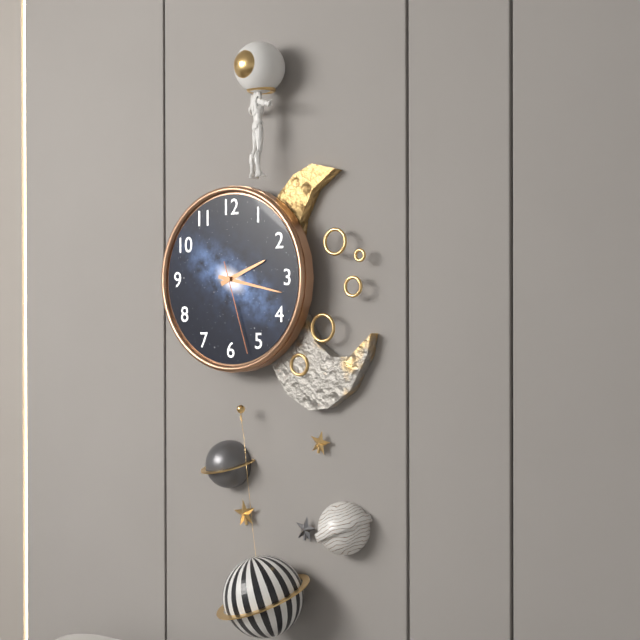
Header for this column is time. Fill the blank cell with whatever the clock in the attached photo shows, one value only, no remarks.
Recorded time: 2:17:27
